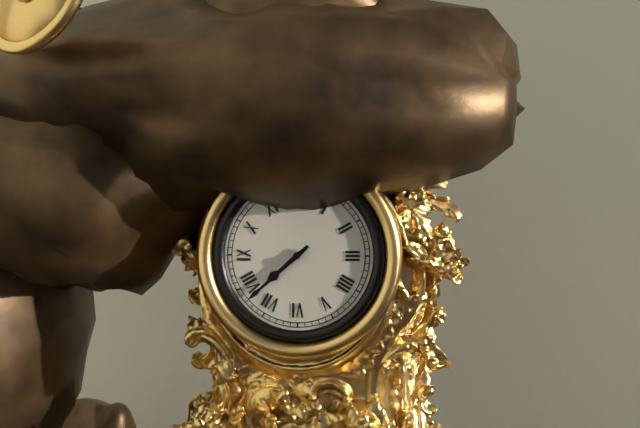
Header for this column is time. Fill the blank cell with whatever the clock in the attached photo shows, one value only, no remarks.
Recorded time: 7:38
